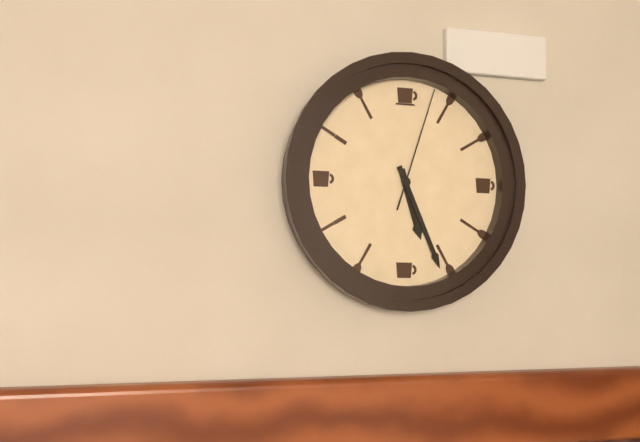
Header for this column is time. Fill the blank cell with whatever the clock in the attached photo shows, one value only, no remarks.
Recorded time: 5:26:03
